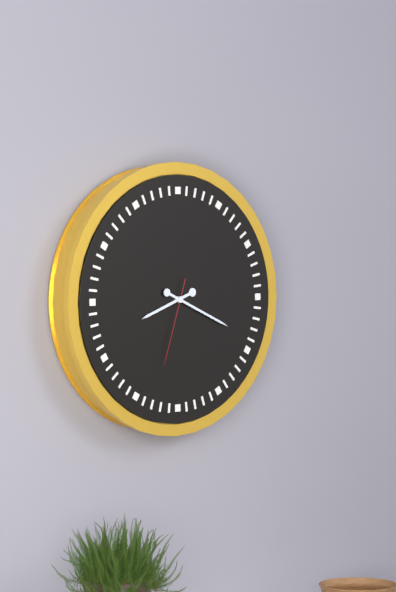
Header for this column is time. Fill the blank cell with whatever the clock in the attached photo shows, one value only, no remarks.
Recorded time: 8:19:33
